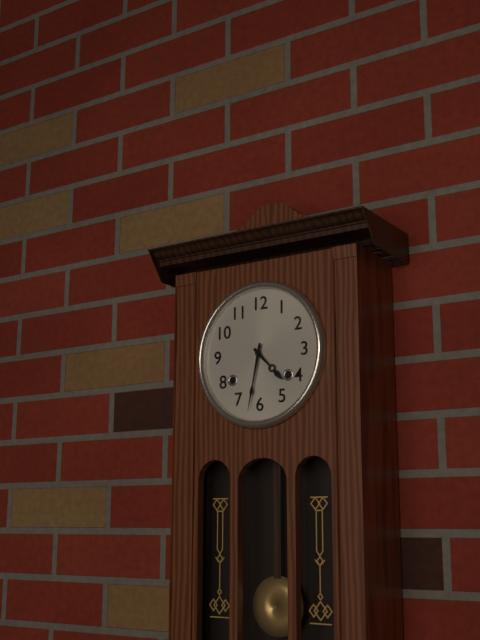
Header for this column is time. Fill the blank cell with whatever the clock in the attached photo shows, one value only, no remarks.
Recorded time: 4:32
